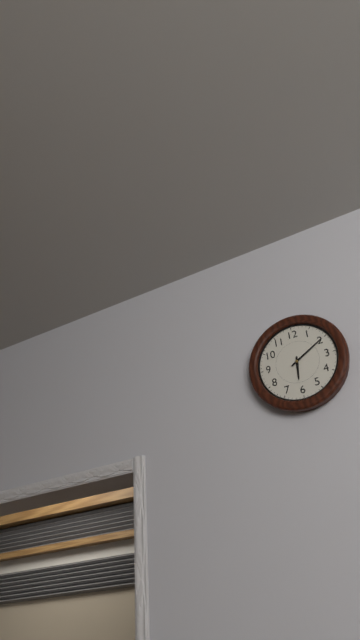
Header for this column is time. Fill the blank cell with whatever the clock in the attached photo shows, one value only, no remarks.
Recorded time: 6:10
